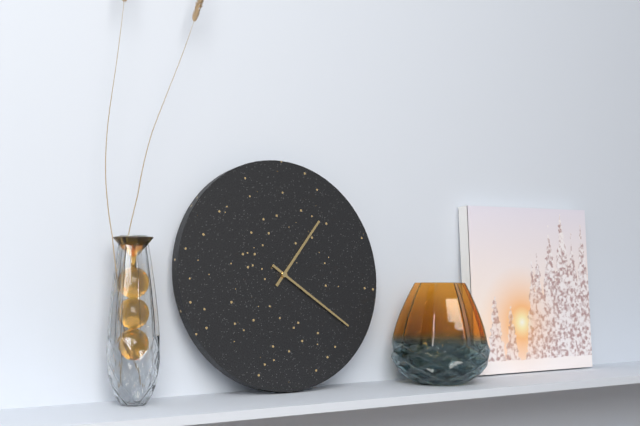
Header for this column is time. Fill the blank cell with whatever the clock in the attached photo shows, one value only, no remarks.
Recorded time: 1:21
